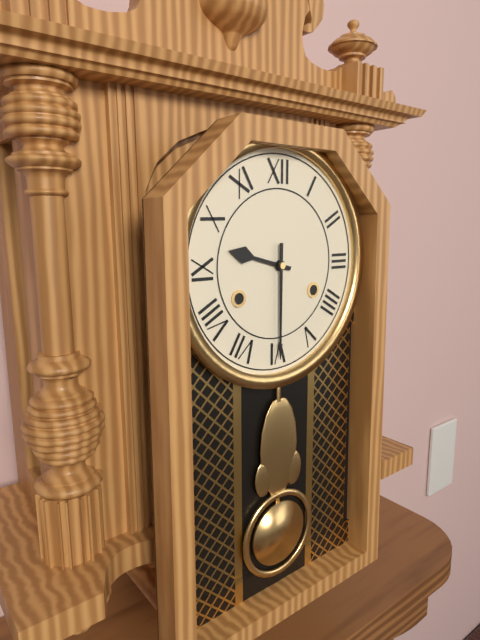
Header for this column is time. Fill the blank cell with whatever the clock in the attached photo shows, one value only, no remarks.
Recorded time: 9:30
